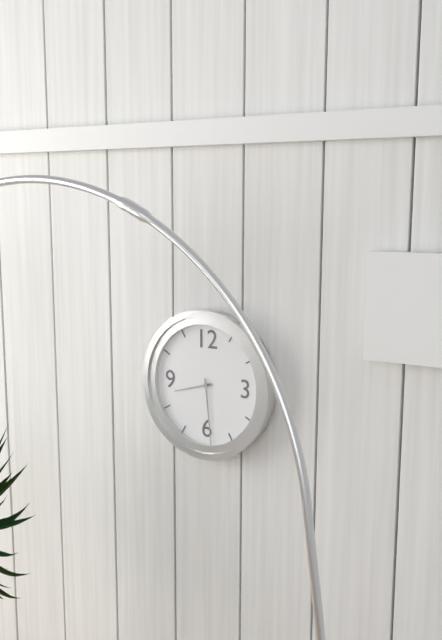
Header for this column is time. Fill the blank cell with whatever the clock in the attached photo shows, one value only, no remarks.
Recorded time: 8:29
